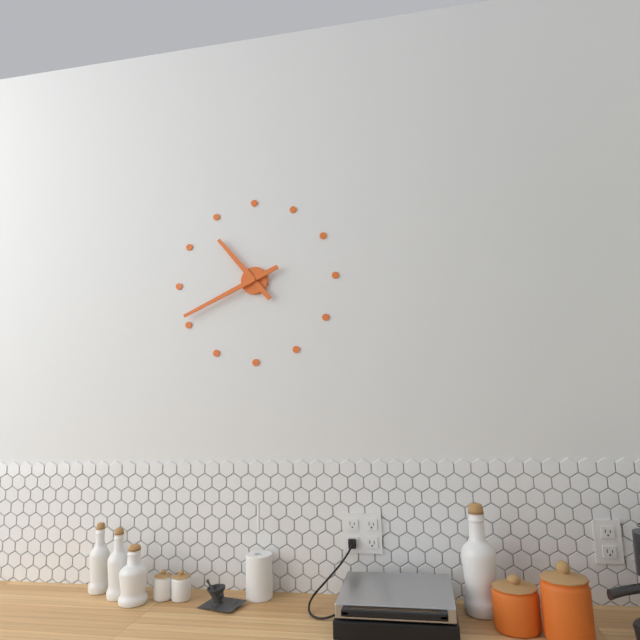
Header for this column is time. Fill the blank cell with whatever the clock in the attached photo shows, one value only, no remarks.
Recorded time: 10:41
